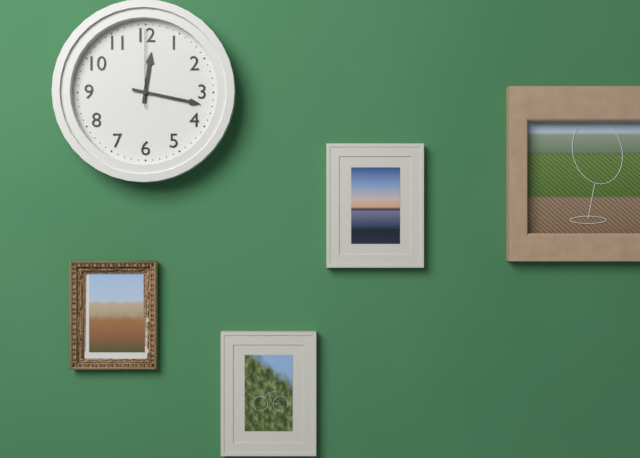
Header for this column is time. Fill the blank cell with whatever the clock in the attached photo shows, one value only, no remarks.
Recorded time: 12:17:00
